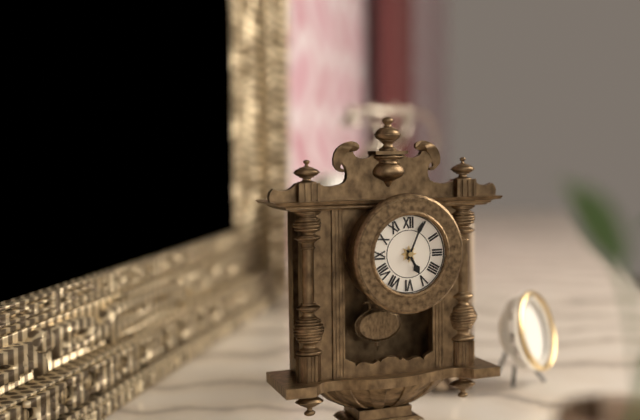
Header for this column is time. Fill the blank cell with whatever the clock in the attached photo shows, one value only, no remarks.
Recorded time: 5:04
